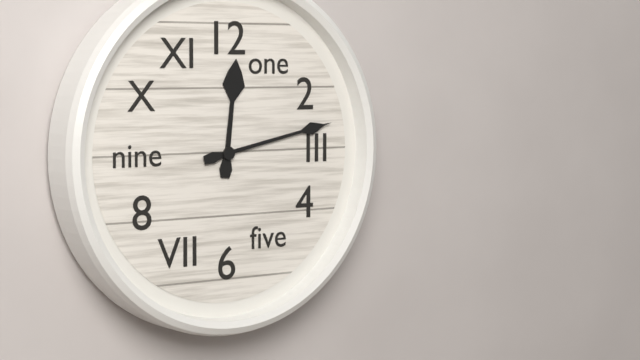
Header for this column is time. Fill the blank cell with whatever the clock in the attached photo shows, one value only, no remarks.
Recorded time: 12:13
